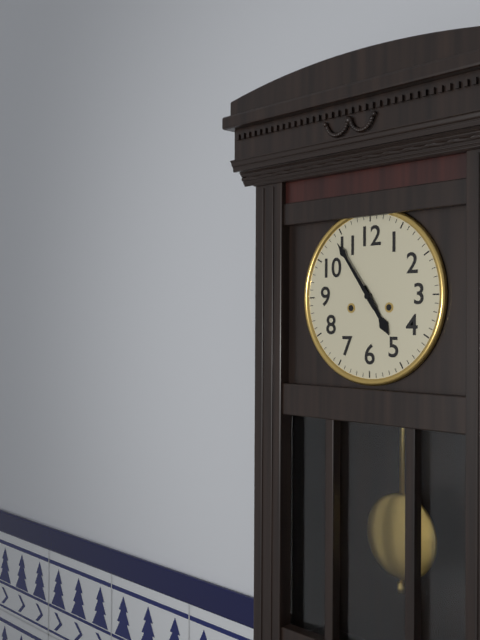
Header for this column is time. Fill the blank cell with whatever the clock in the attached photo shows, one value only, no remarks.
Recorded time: 4:54
